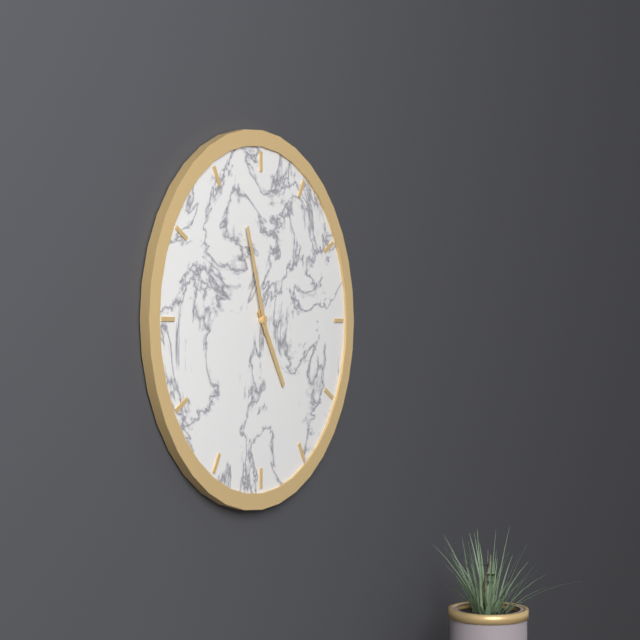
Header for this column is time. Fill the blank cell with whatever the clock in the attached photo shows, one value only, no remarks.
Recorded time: 4:57
